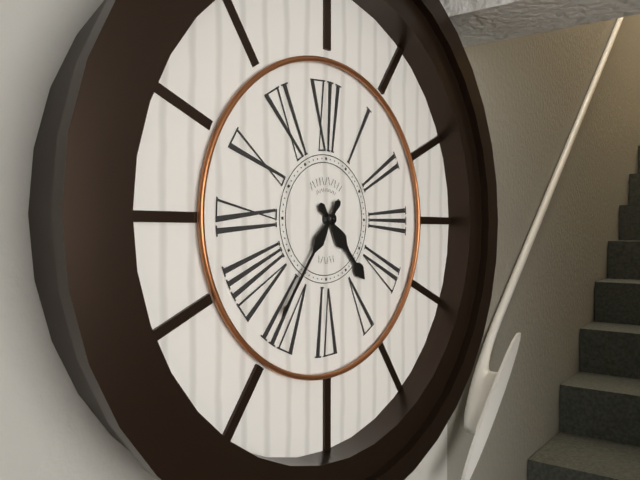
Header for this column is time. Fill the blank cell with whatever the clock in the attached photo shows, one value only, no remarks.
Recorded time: 4:36
